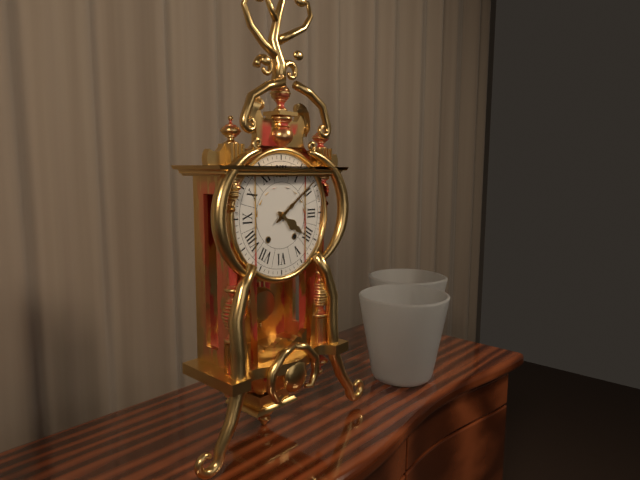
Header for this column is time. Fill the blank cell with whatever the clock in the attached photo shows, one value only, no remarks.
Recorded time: 4:09
